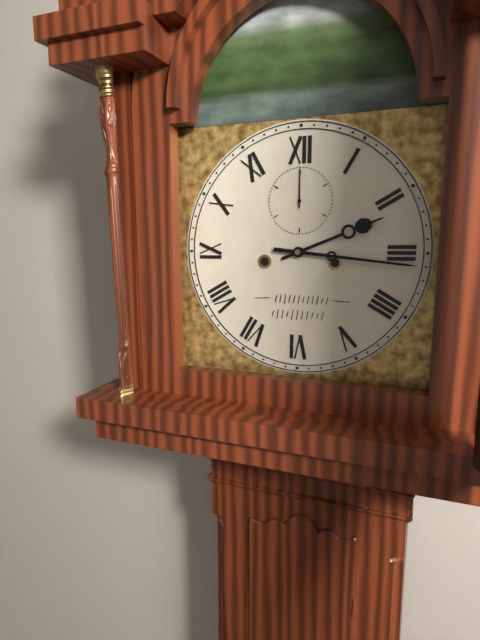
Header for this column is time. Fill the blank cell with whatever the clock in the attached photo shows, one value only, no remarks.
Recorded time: 2:16
